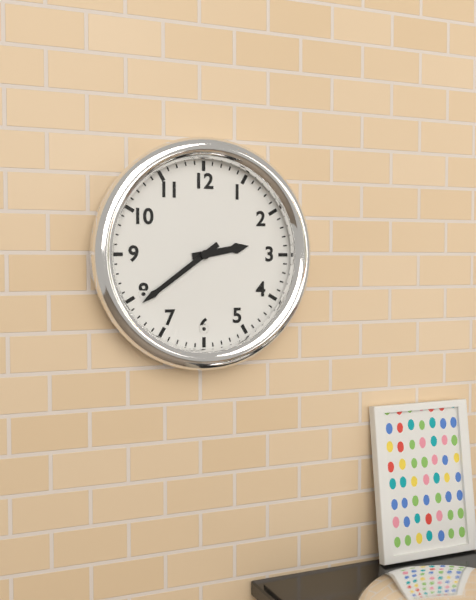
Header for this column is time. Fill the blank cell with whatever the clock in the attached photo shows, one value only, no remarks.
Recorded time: 2:39
